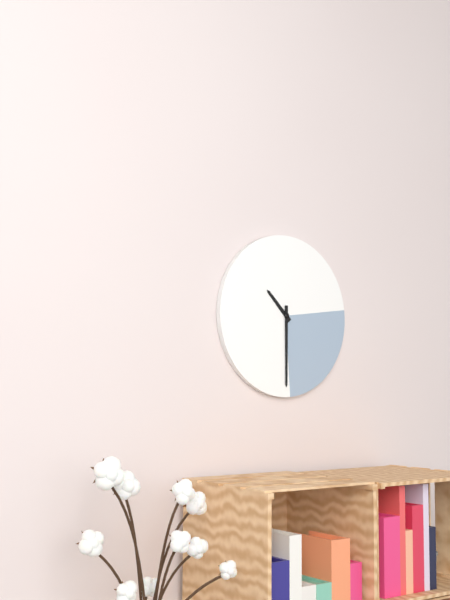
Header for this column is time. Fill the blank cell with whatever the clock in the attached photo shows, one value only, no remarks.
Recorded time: 10:30
